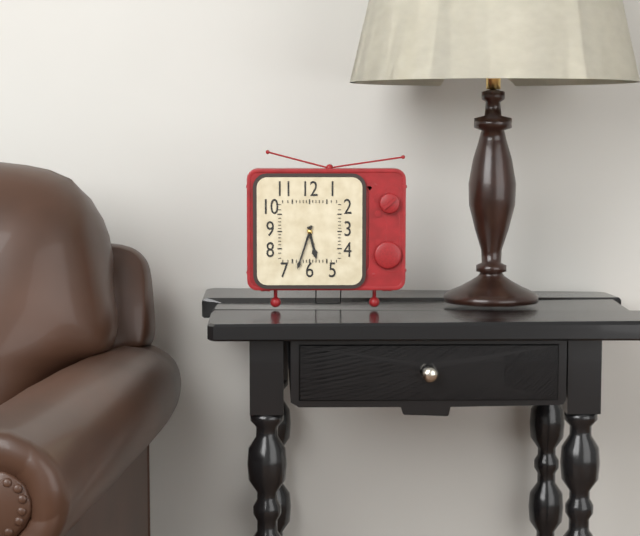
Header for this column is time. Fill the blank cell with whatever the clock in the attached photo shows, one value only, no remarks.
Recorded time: 5:33
